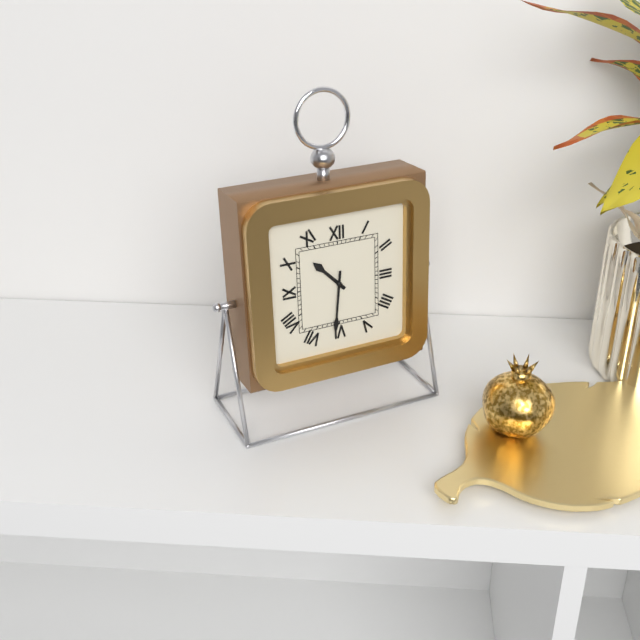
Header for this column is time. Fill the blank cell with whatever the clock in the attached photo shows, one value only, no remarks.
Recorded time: 10:31
